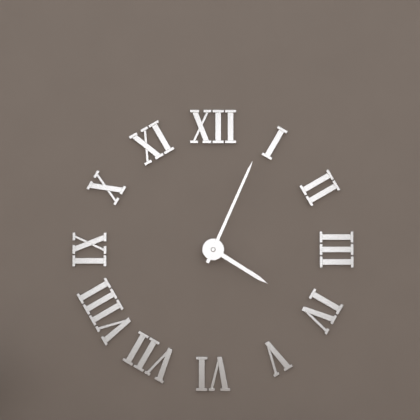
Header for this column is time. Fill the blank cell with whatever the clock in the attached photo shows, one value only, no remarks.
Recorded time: 4:04
